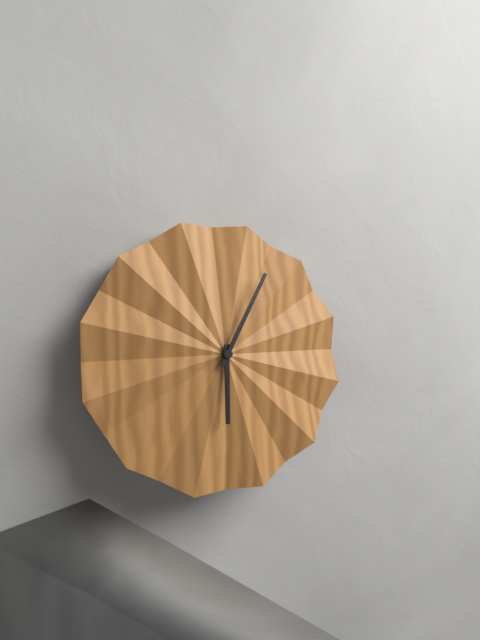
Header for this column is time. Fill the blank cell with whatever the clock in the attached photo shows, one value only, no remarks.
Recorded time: 6:05
